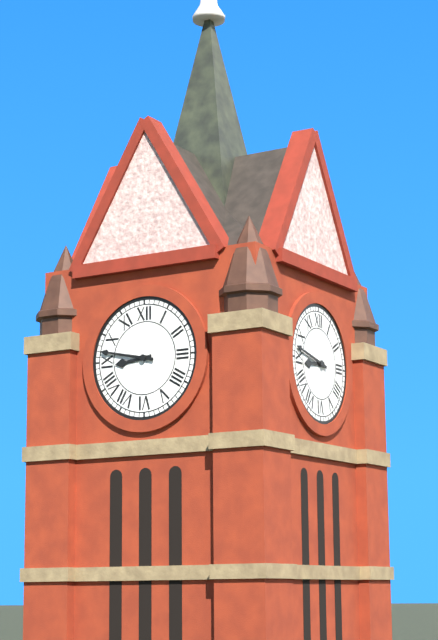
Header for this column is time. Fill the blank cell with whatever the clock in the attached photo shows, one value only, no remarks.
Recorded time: 8:47
